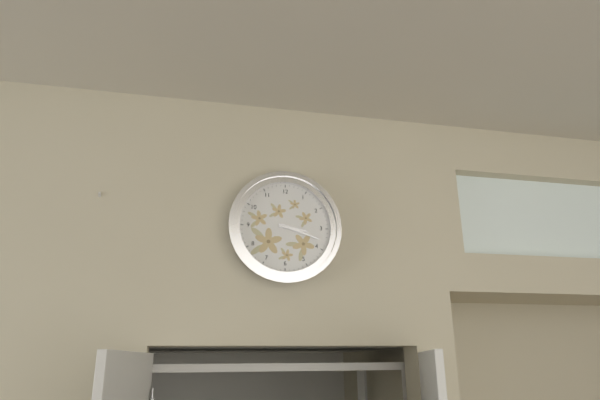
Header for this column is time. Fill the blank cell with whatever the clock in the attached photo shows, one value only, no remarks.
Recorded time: 3:18
